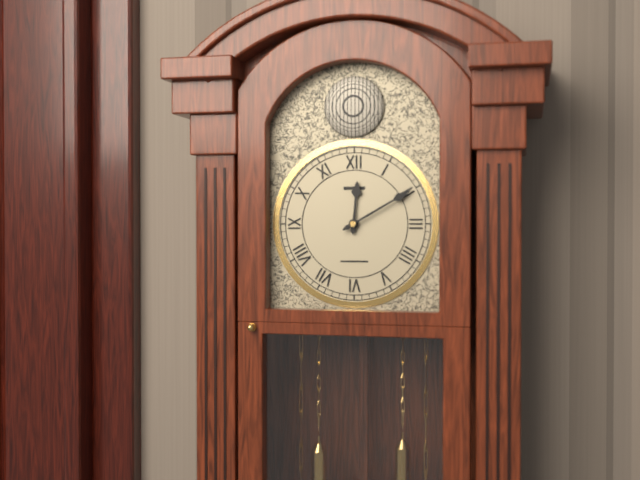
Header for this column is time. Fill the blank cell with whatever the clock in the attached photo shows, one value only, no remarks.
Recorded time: 12:10
